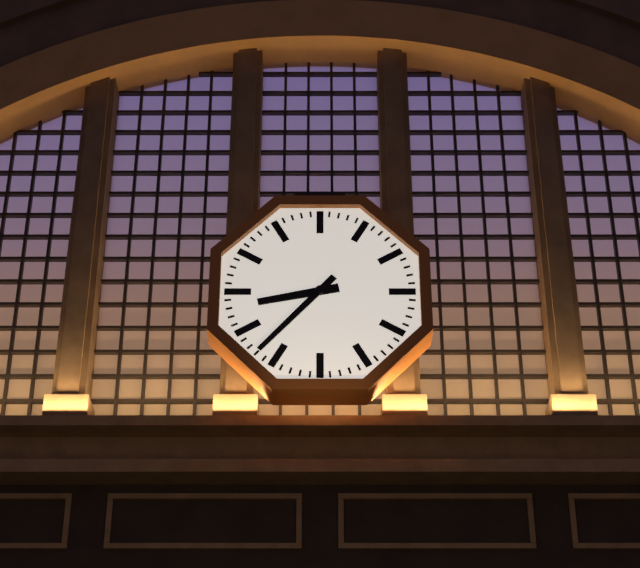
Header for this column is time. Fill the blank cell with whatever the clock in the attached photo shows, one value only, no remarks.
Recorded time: 8:37
